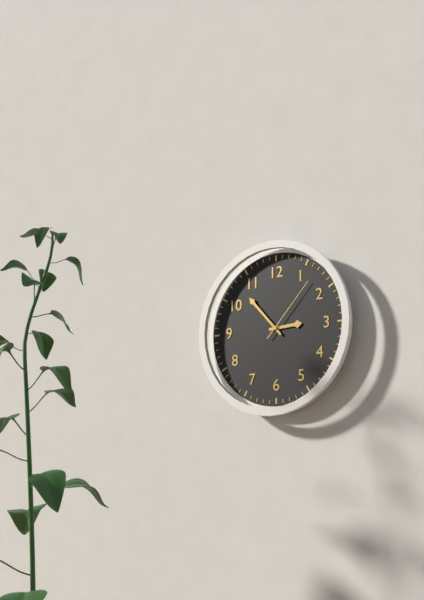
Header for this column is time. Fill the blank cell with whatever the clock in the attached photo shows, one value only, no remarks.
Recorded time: 2:53:07
